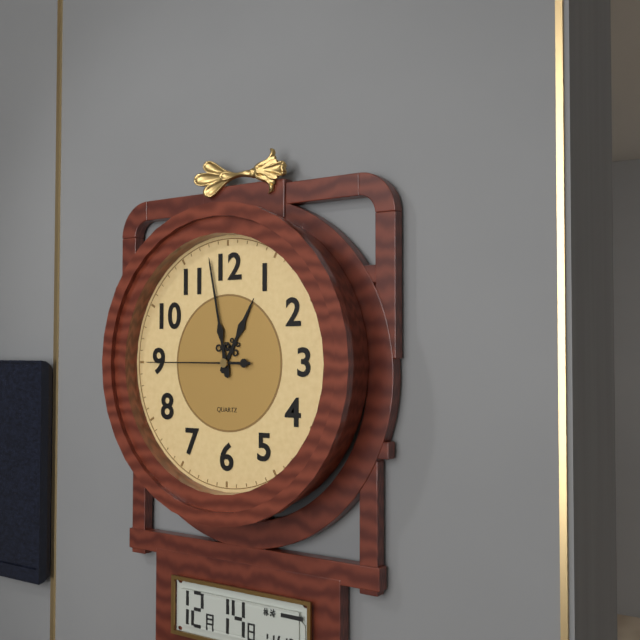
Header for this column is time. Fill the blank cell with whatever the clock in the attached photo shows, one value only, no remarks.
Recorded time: 12:58:45
